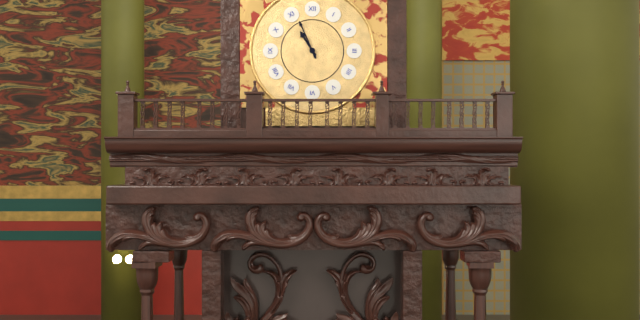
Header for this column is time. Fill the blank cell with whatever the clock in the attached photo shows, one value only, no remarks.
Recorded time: 10:56
